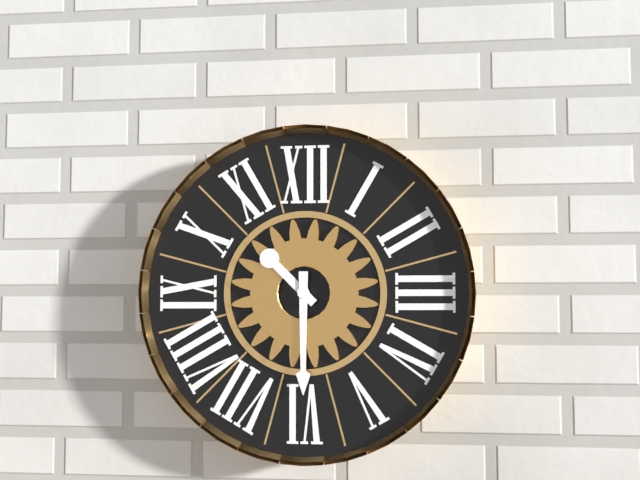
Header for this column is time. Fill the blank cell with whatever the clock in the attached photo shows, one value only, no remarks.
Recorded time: 10:30
